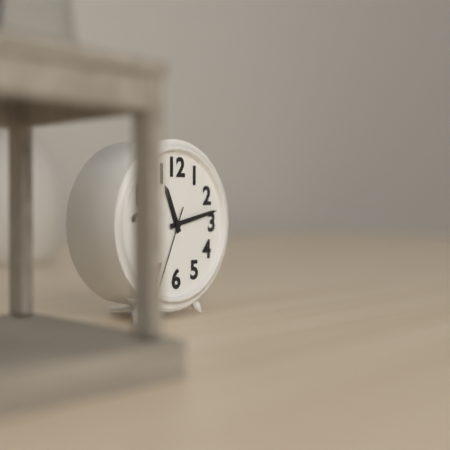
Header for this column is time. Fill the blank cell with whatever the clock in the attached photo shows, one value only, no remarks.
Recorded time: 11:13:34
